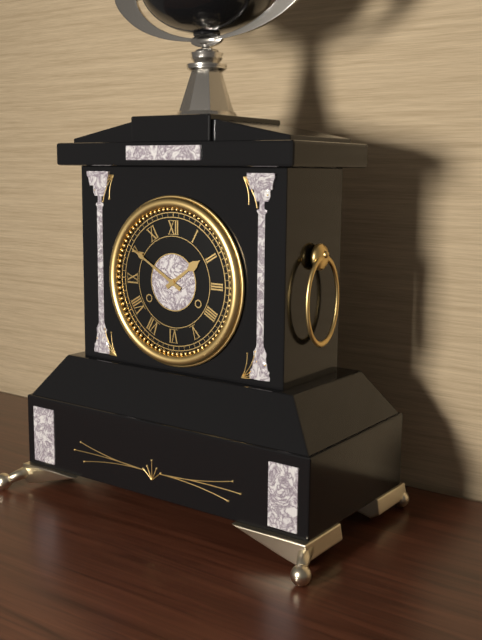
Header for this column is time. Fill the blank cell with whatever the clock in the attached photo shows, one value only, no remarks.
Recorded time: 1:50
